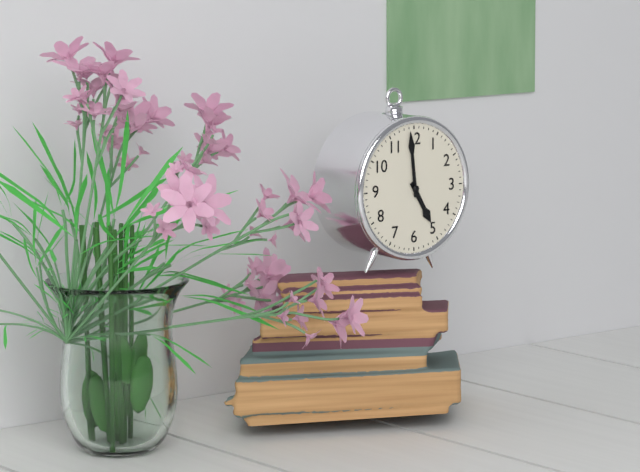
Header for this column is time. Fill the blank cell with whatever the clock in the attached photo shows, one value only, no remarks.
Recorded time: 4:59
